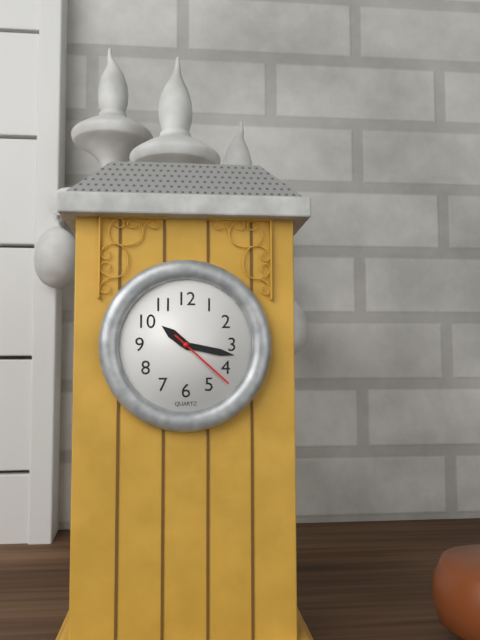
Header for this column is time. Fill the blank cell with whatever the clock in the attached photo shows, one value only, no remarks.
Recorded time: 10:17:22
